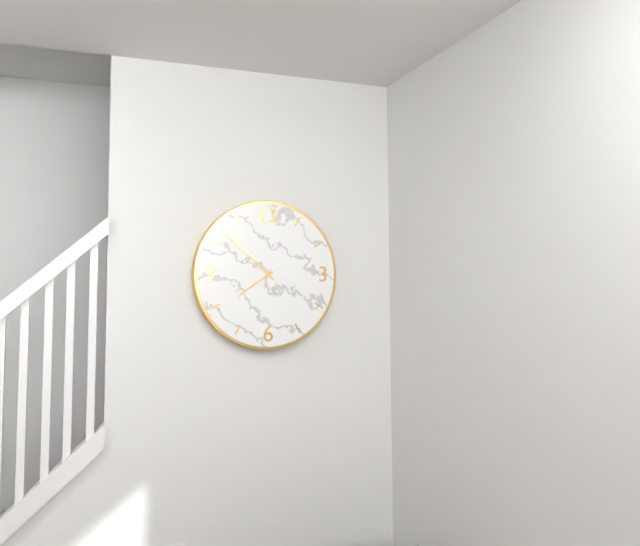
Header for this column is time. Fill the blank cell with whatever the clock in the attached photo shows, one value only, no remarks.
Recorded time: 7:52
